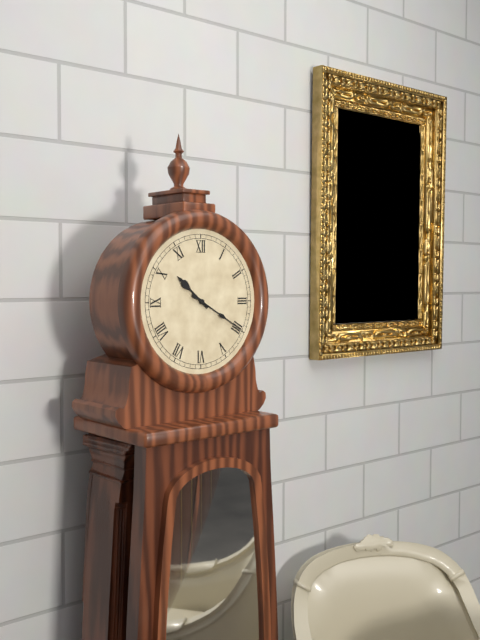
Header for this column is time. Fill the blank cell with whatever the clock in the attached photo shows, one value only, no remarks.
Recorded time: 10:20
